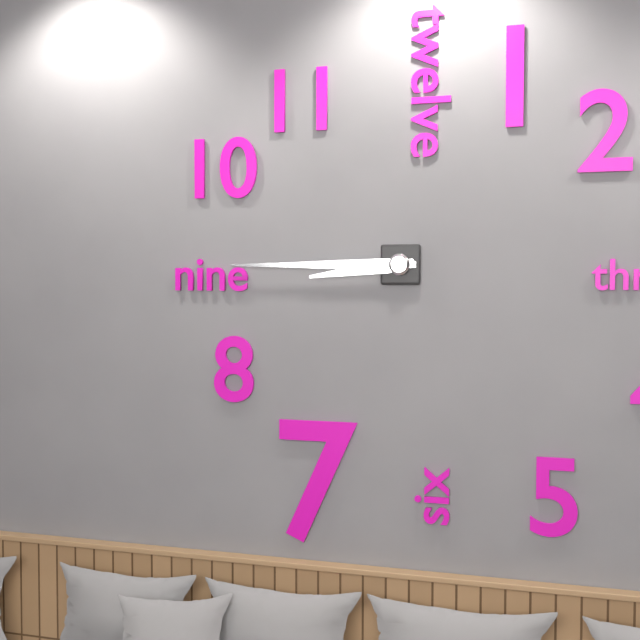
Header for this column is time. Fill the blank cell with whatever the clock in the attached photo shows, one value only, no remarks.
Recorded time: 8:45
